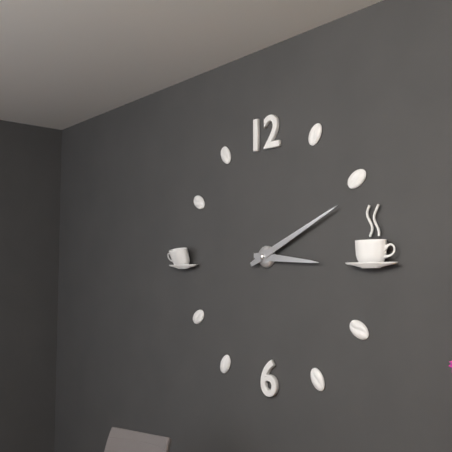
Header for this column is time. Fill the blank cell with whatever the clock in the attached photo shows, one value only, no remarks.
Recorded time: 3:11
